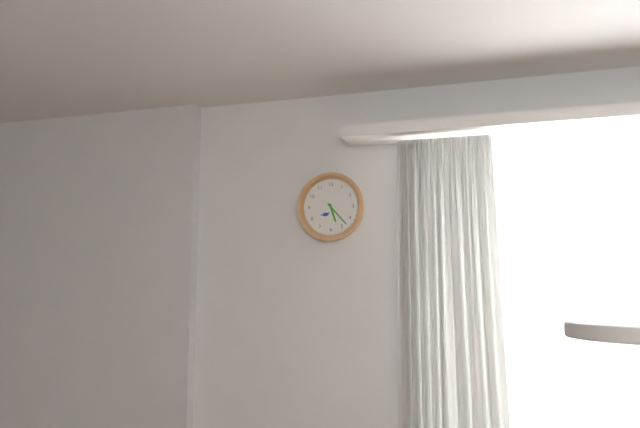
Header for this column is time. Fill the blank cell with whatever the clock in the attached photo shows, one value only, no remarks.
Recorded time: 5:23
